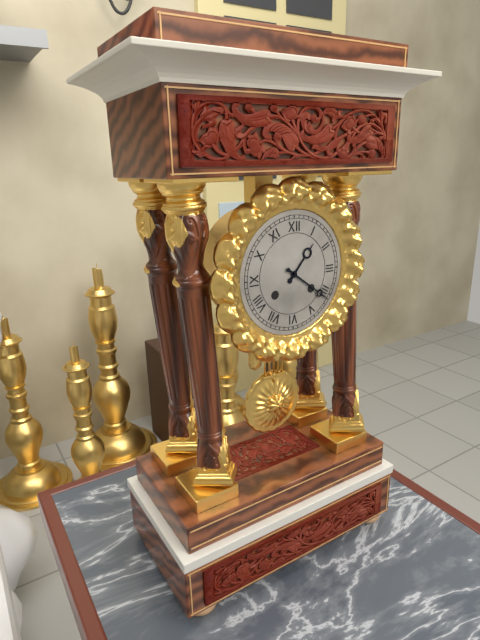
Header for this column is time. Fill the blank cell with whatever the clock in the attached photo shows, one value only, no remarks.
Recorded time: 1:21
